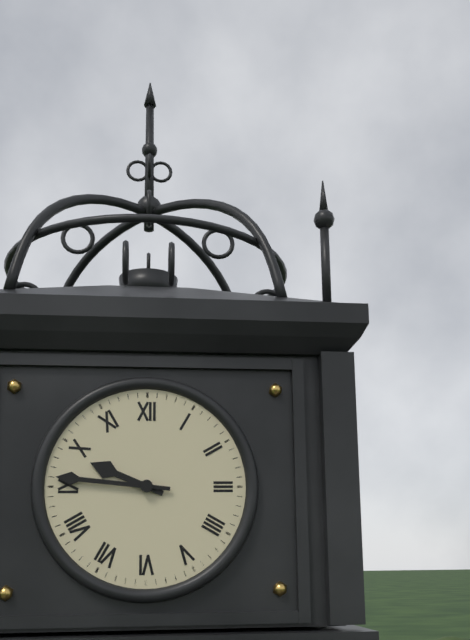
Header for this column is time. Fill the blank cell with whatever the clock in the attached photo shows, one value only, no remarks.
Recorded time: 9:46
